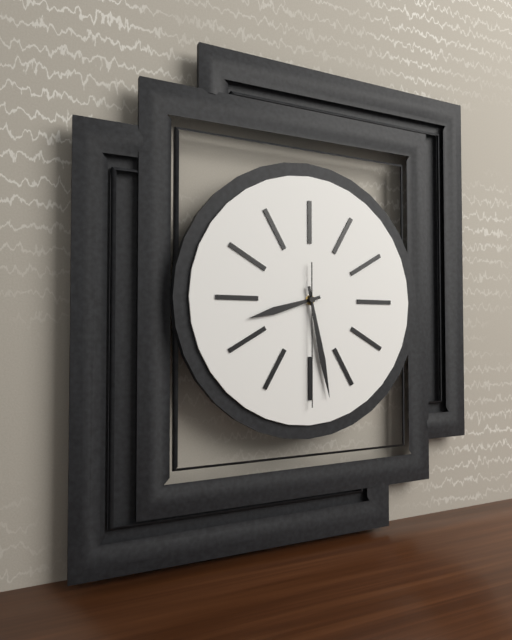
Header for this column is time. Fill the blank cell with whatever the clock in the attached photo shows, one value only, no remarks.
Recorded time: 8:28:30
